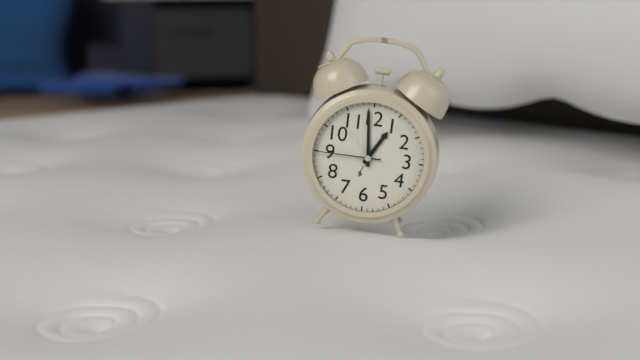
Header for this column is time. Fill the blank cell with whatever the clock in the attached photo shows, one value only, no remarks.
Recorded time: 12:59:45
